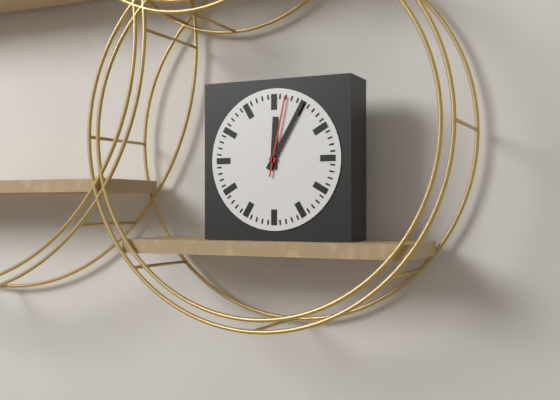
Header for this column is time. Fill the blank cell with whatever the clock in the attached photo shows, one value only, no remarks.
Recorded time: 12:05:02
